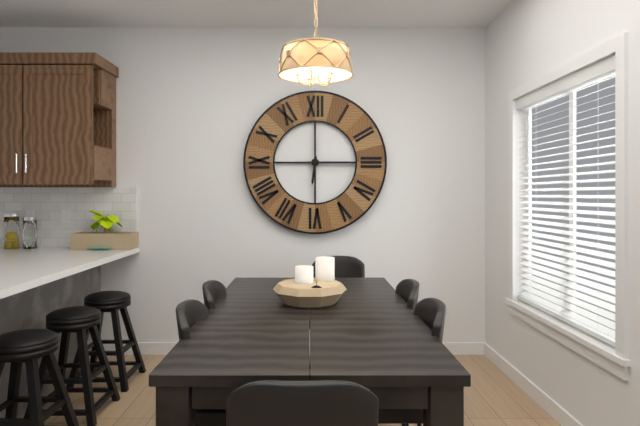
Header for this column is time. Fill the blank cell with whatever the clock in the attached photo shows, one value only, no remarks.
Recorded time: 6:15
